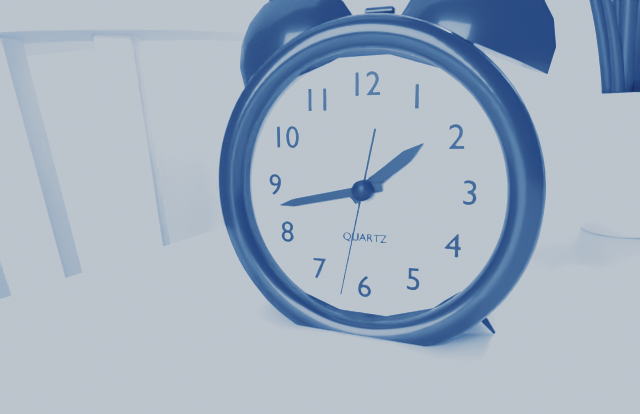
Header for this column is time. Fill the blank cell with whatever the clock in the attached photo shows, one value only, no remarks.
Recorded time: 1:43:32
